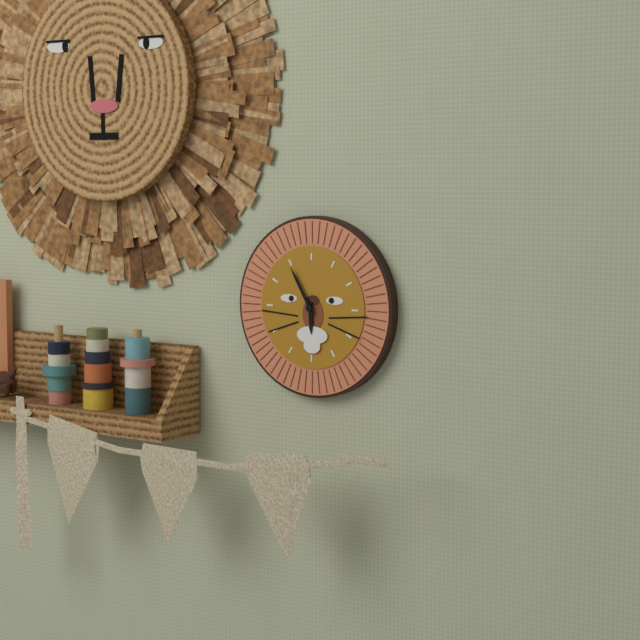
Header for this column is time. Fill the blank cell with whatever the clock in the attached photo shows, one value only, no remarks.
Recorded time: 5:55
